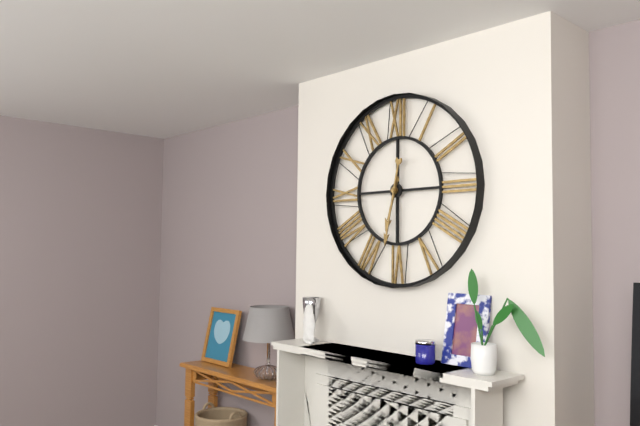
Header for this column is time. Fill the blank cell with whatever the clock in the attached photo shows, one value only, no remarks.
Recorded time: 6:32
